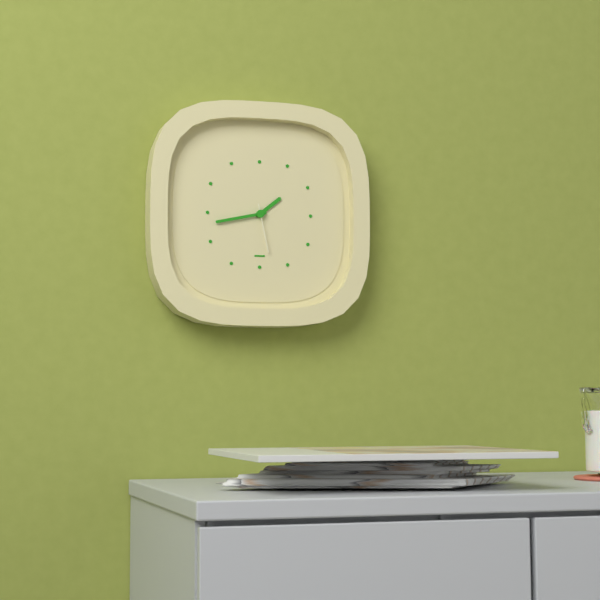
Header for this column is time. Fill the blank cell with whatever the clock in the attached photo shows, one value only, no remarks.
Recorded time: 1:43
